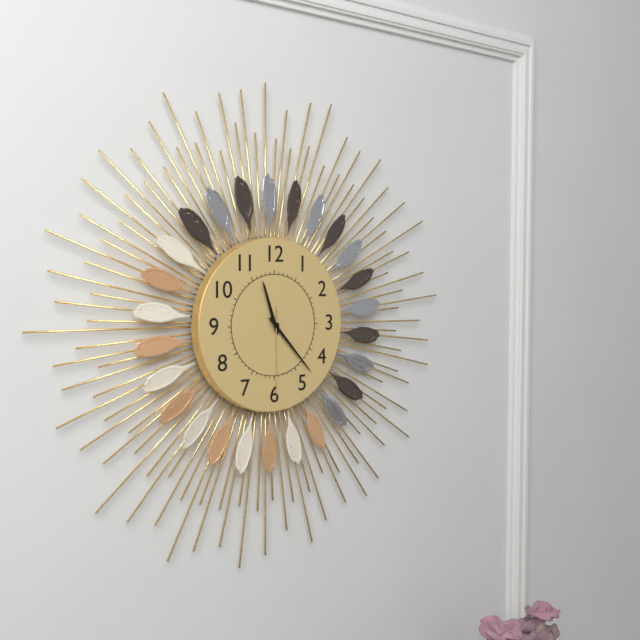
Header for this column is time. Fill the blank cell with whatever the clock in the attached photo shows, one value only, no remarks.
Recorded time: 11:23:30
